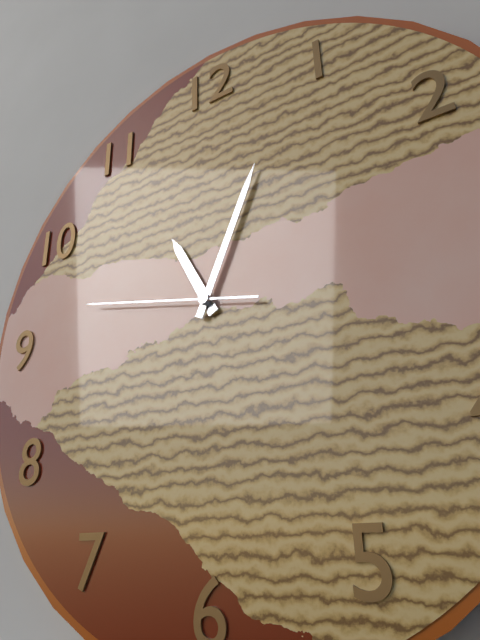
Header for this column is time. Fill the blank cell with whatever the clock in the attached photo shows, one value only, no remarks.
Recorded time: 11:04:47
